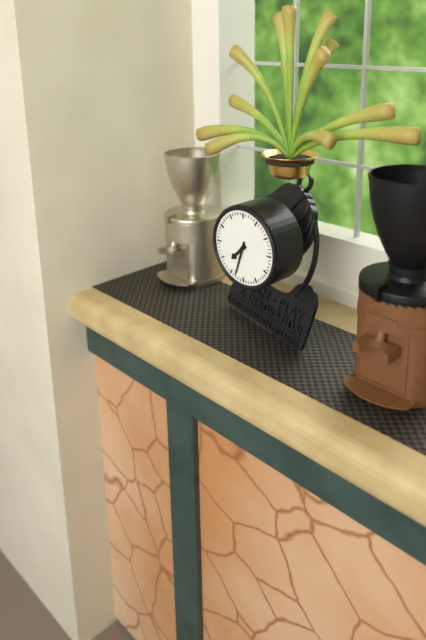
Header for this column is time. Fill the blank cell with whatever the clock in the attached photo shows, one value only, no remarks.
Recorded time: 7:33
